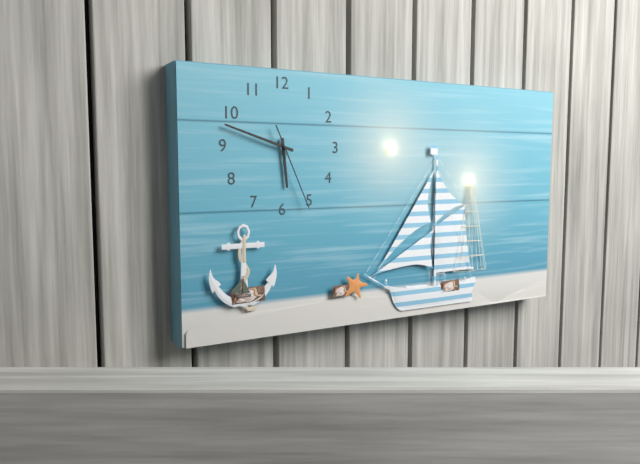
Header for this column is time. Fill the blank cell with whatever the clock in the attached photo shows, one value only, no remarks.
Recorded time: 5:48:26
